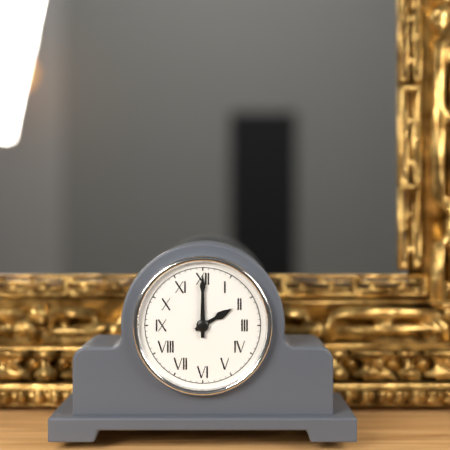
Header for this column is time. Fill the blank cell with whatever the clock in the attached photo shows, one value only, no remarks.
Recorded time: 2:00
